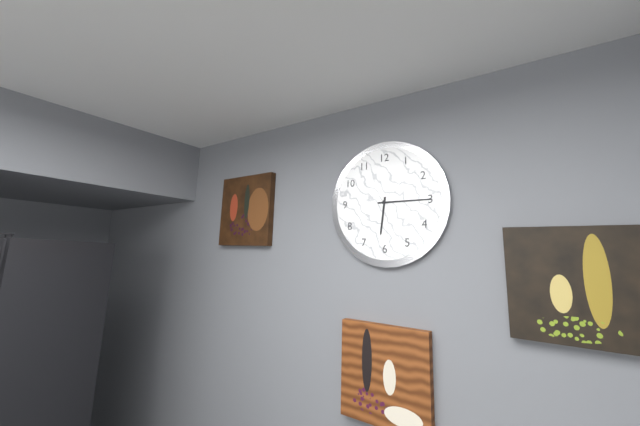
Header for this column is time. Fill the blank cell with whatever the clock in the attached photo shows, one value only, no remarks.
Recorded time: 6:15
